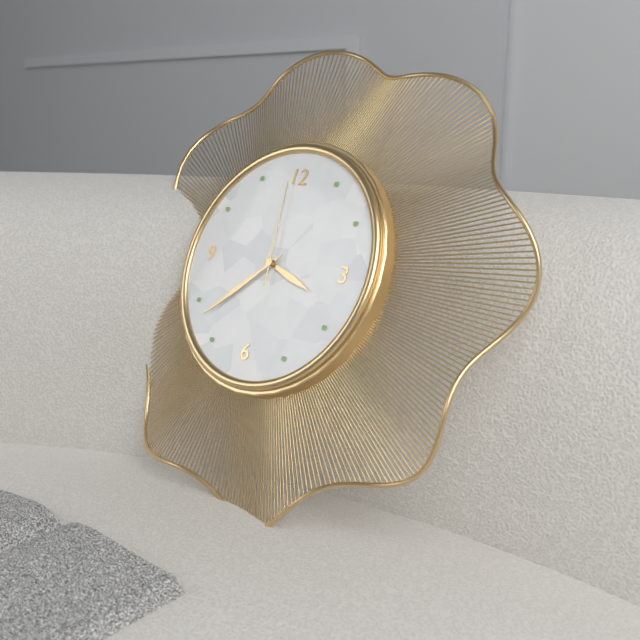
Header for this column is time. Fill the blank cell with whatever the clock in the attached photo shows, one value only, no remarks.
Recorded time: 3:38:59
